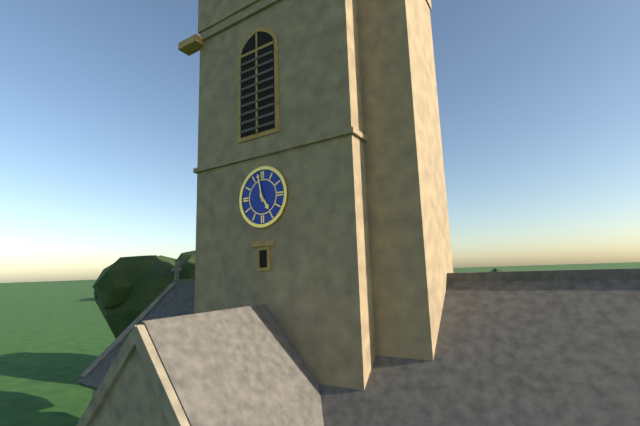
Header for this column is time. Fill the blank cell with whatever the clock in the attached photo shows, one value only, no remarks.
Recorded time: 4:58
